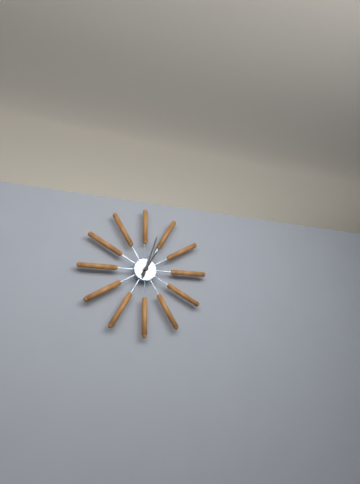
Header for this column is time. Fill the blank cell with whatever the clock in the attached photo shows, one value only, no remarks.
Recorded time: 1:03
